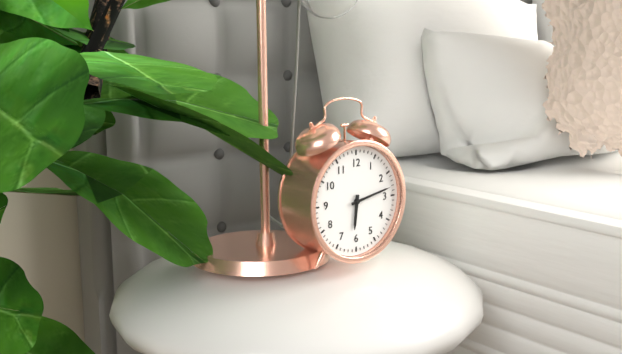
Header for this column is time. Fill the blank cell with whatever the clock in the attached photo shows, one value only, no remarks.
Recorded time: 6:13
